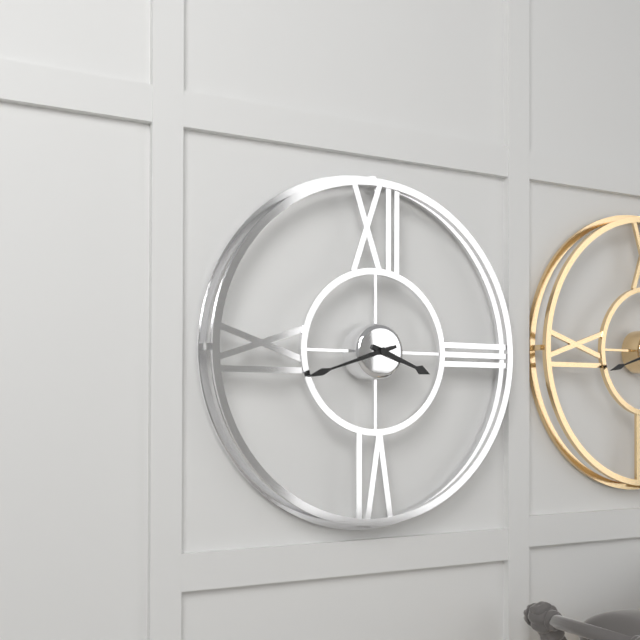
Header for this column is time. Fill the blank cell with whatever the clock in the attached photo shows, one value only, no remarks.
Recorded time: 3:42
